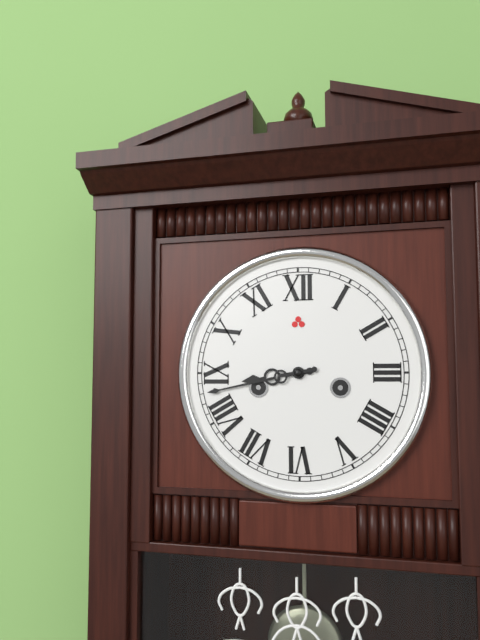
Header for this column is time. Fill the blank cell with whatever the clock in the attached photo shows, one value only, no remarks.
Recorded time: 8:43
